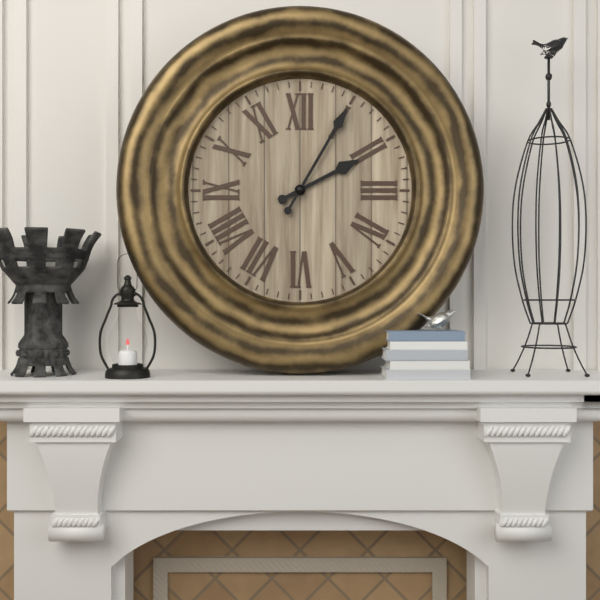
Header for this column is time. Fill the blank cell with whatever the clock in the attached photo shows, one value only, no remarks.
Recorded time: 2:05
